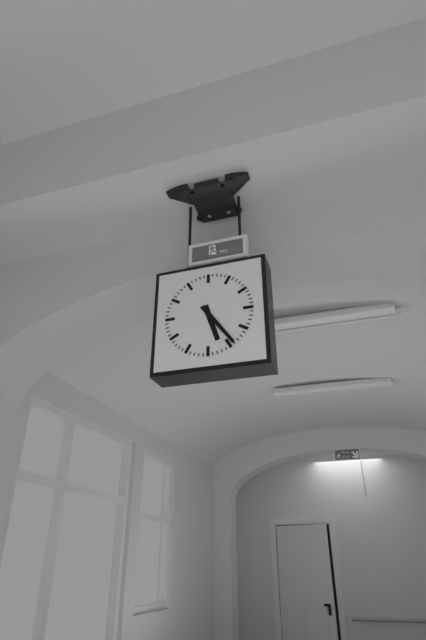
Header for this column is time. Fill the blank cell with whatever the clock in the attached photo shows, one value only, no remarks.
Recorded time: 5:24
